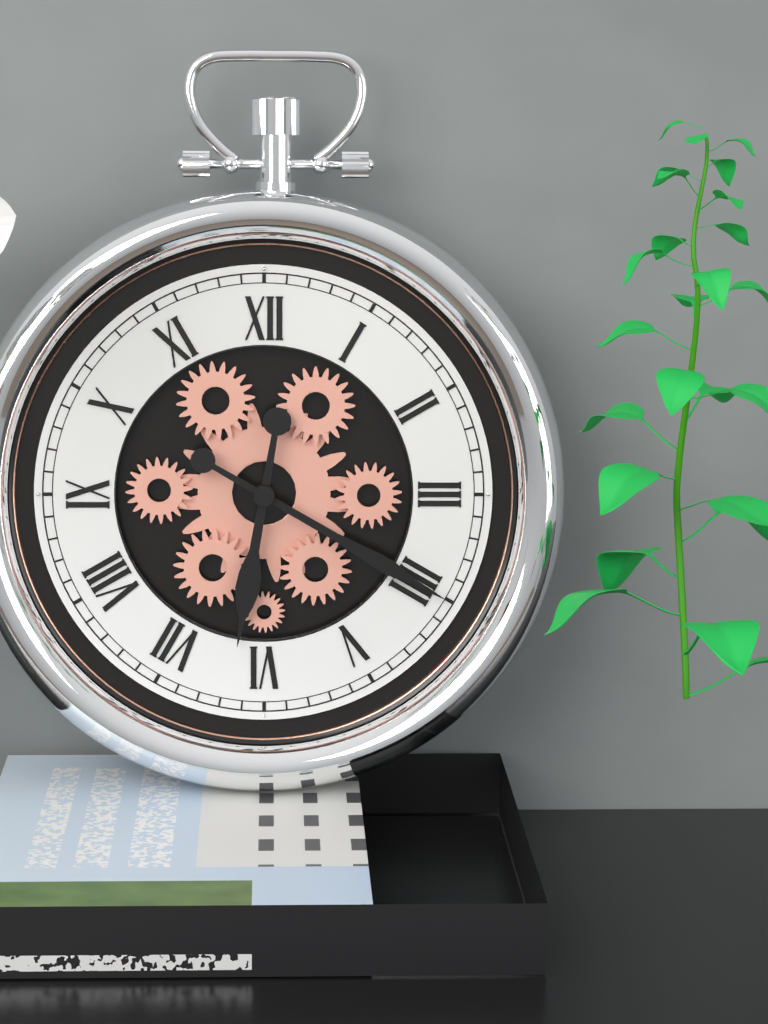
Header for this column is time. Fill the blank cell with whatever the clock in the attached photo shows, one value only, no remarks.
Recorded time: 6:20
